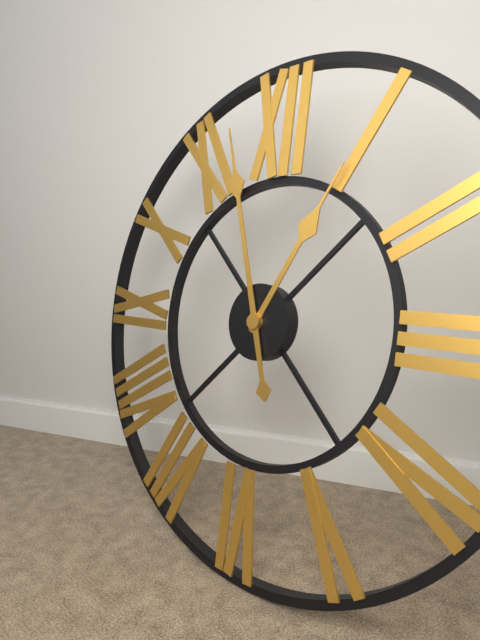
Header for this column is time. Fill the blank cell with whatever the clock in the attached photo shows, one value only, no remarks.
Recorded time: 12:57
